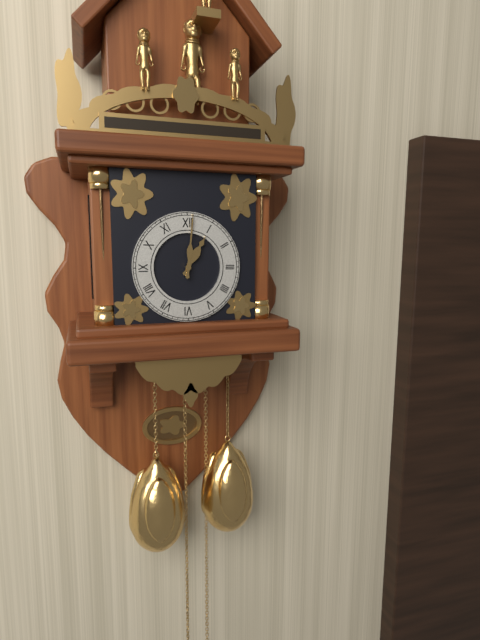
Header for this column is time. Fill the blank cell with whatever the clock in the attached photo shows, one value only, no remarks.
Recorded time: 1:01
